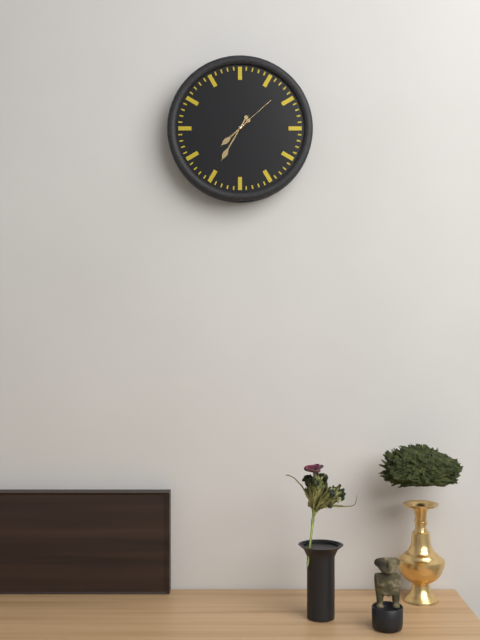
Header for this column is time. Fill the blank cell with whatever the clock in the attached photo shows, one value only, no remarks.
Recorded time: 7:35:08
